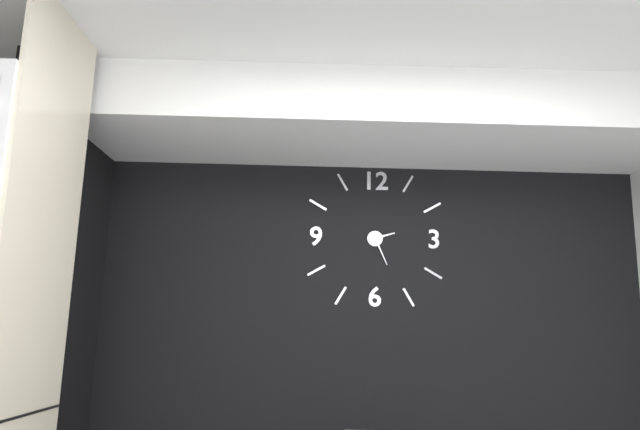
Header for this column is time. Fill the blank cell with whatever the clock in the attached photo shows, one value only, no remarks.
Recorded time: 2:26
